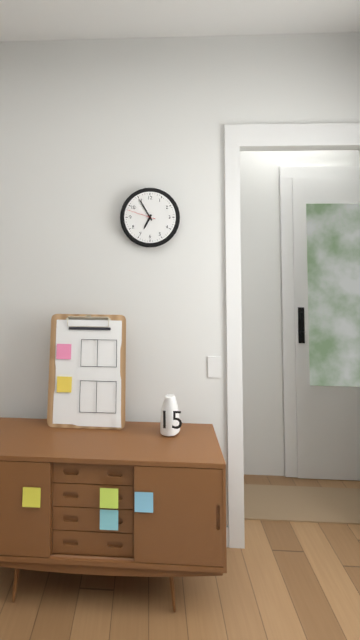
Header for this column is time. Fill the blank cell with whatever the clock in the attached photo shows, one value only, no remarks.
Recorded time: 6:55
